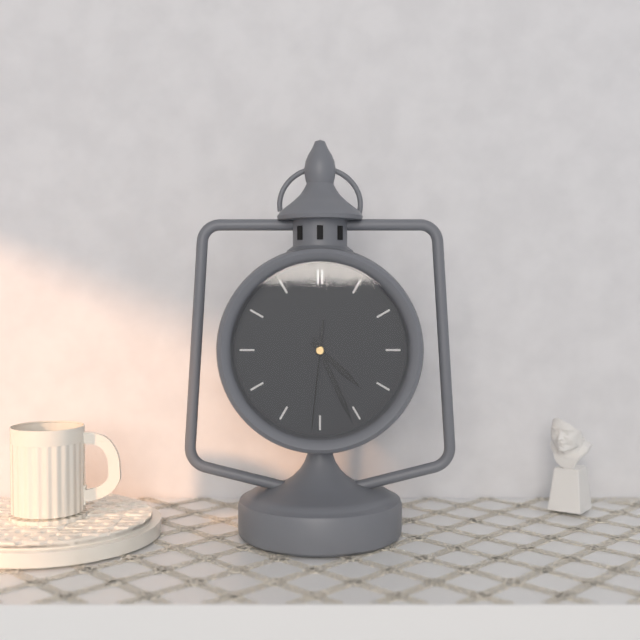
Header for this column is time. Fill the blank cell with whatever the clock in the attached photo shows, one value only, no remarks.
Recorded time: 4:26:31
